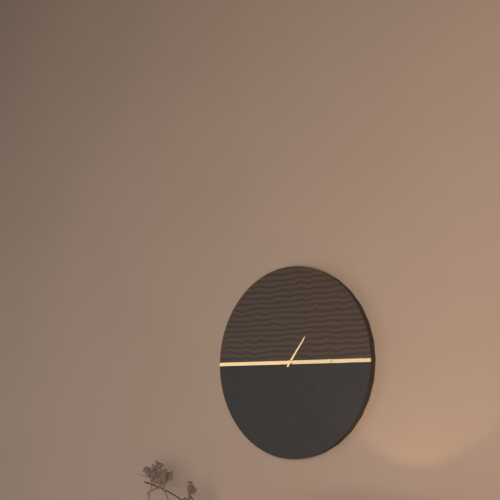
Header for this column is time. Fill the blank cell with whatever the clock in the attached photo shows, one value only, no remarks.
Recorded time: 1:15
